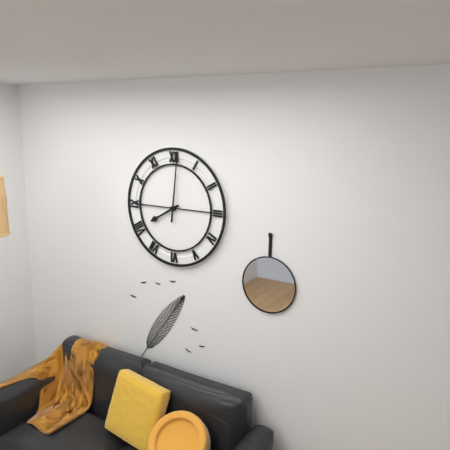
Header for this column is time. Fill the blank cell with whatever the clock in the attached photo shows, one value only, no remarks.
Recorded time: 8:01
